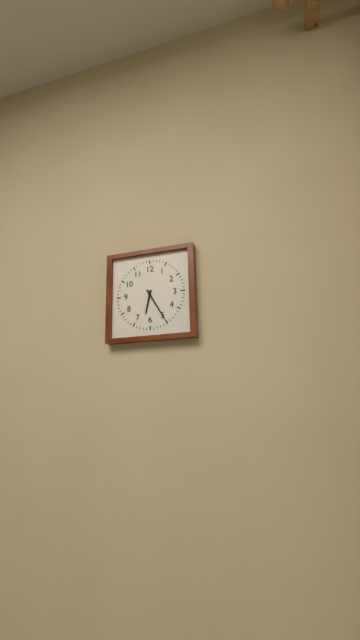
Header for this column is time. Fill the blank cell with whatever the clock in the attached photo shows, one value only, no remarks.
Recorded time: 6:25
